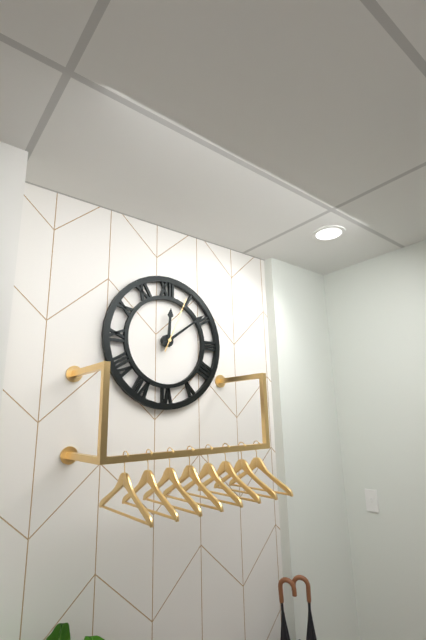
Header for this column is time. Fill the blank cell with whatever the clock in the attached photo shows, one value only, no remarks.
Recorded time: 12:09:04
